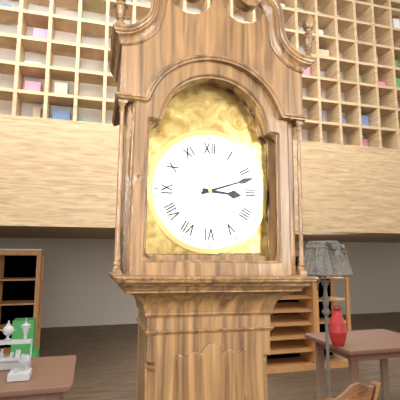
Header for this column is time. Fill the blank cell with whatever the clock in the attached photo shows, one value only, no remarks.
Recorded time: 3:12
